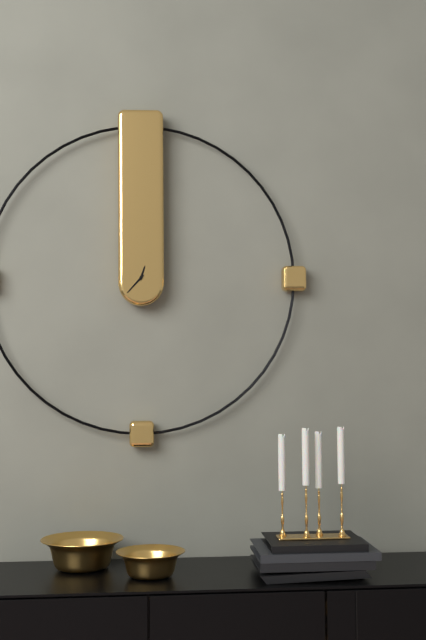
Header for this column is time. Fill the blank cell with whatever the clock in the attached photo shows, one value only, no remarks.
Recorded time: 12:37
